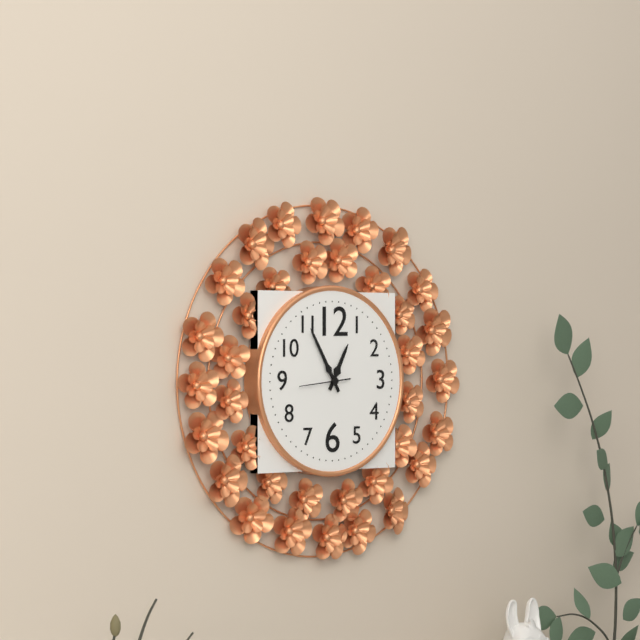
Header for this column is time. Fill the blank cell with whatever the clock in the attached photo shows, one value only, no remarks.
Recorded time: 12:55
